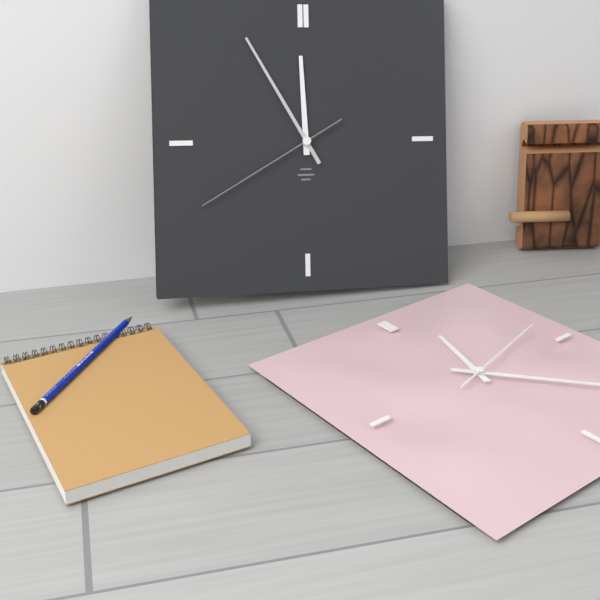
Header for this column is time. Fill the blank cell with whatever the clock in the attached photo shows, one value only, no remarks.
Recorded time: 11:55:40
